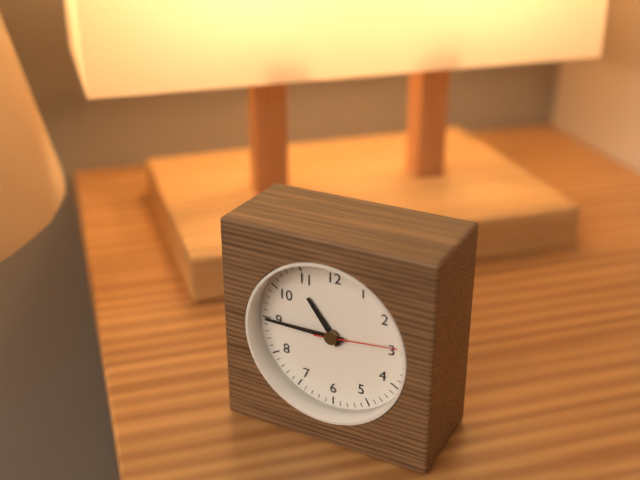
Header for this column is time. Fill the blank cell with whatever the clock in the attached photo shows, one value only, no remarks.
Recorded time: 10:45:14
